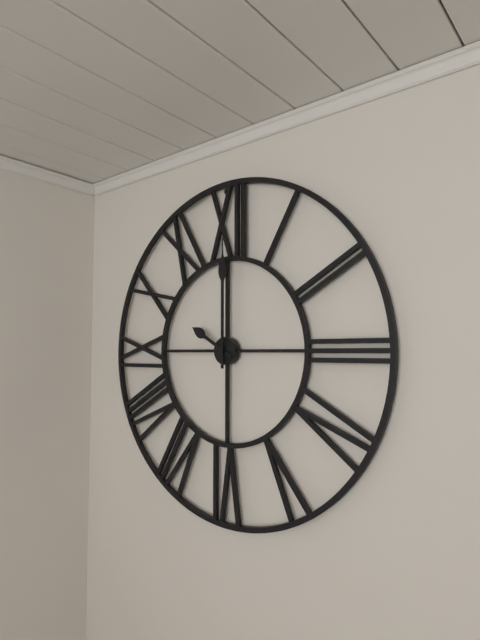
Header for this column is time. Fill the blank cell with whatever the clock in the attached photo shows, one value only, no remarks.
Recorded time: 10:00
